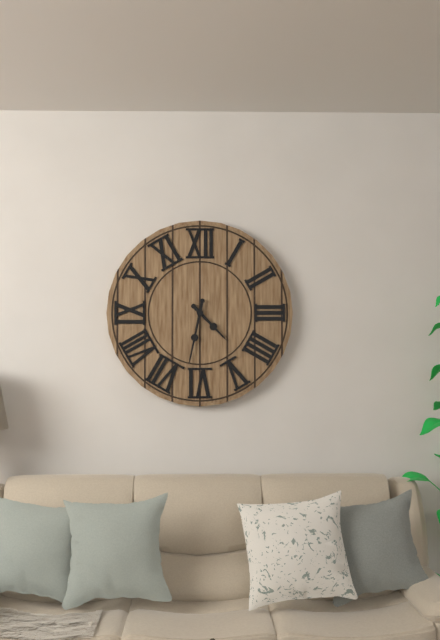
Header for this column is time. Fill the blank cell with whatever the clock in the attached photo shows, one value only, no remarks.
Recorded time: 4:32
